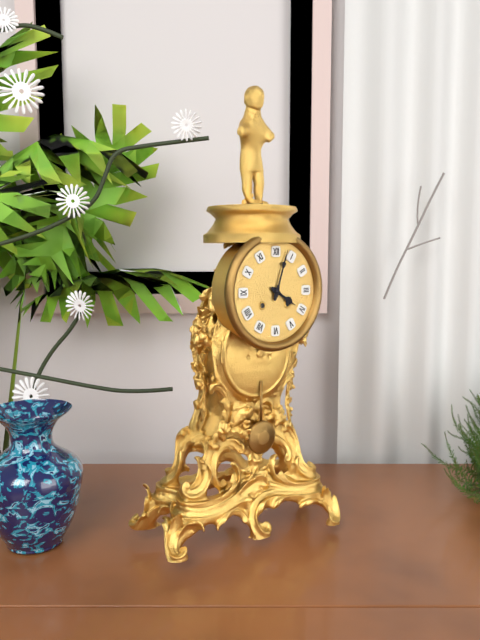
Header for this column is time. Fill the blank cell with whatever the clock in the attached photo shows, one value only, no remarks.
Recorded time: 4:03
